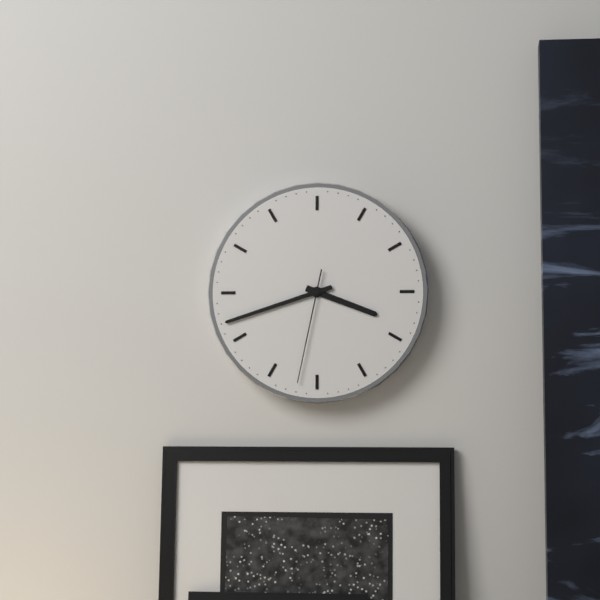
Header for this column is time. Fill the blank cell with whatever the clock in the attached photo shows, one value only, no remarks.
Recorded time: 3:42:32
